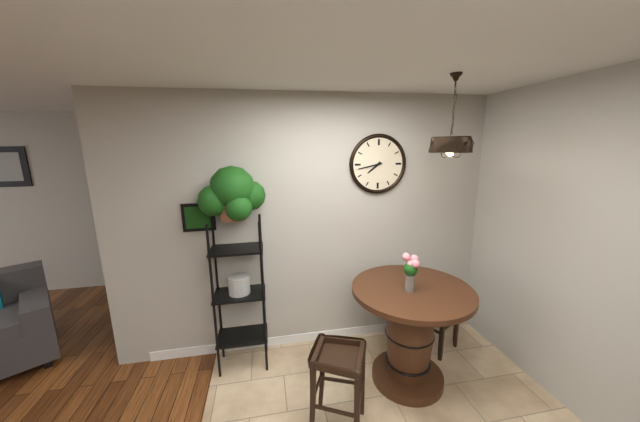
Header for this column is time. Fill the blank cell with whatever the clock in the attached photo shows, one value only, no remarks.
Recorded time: 7:43
